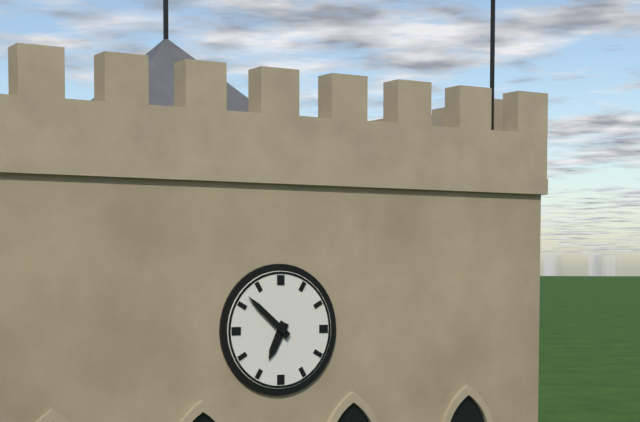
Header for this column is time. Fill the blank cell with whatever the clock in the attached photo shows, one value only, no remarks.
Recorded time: 6:52
